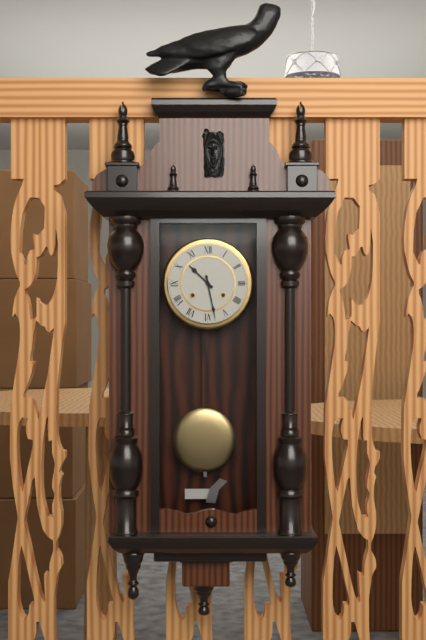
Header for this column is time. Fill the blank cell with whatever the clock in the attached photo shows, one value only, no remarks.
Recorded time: 10:28
